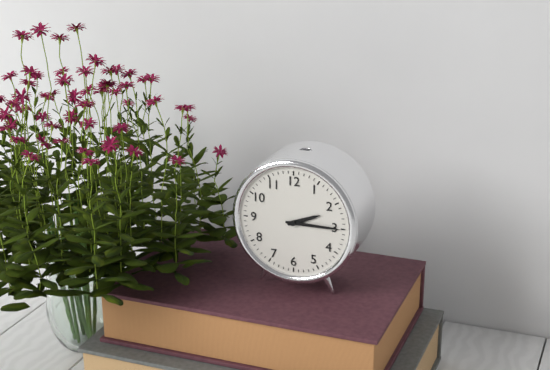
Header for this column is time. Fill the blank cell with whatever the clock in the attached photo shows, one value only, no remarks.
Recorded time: 2:15
